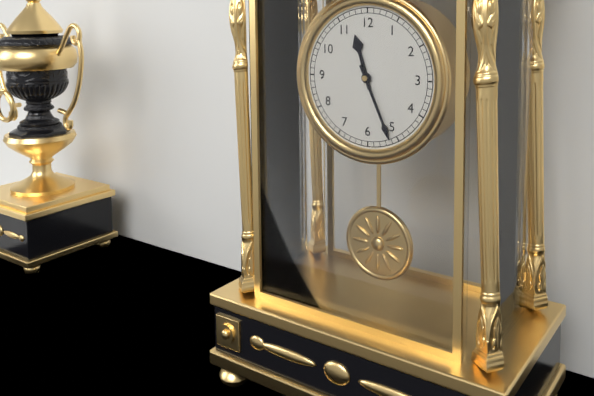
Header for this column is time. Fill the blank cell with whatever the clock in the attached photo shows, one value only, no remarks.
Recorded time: 11:26
